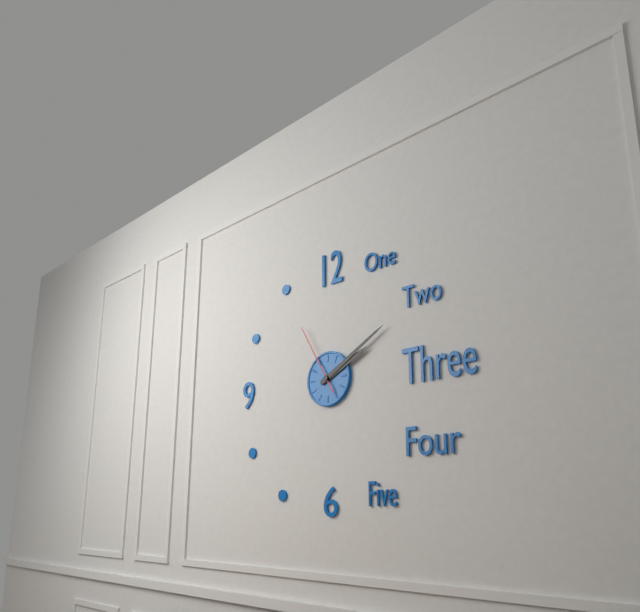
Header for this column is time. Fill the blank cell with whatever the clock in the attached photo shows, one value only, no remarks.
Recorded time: 2:10:55
